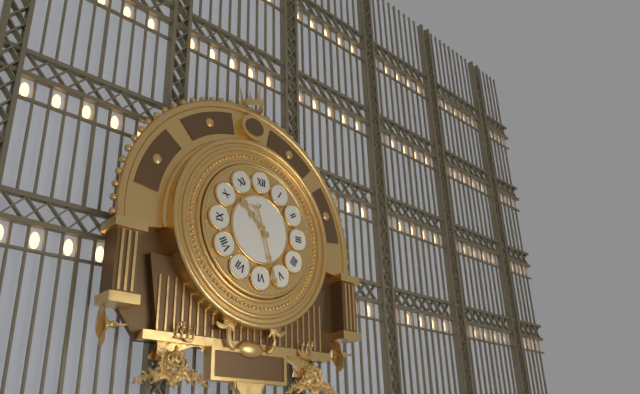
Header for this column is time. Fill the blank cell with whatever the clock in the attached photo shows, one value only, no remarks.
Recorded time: 10:27
